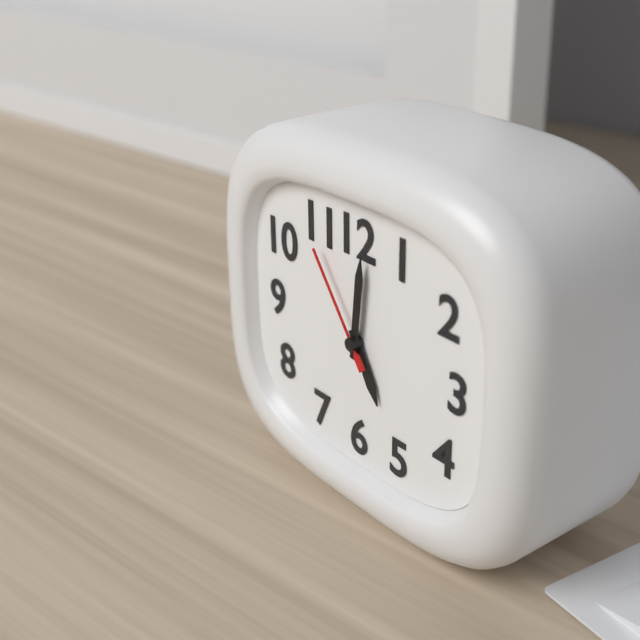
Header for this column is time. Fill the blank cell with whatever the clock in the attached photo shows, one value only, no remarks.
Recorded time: 5:01:54
